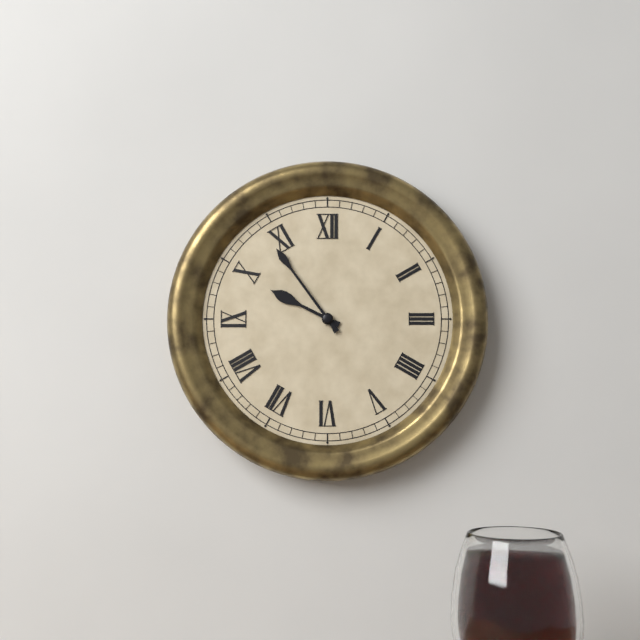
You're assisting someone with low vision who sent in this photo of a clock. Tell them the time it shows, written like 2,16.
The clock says 9,54
